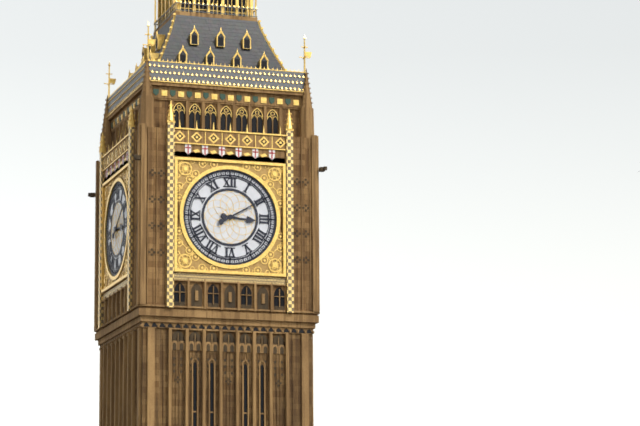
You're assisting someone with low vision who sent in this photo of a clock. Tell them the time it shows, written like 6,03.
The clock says 3,10
